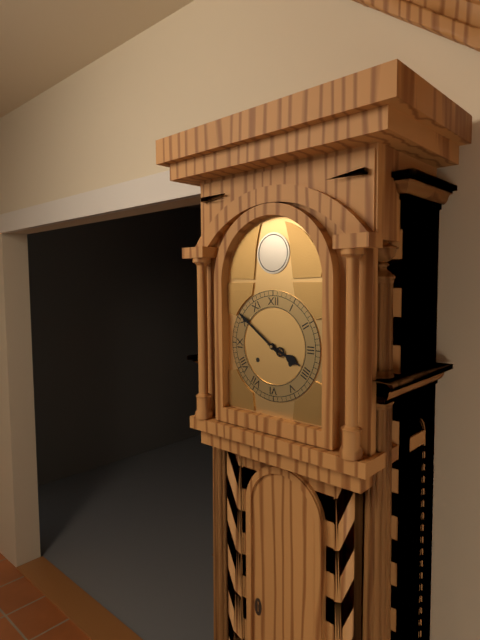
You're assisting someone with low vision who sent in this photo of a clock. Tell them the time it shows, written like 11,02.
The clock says 3,51
